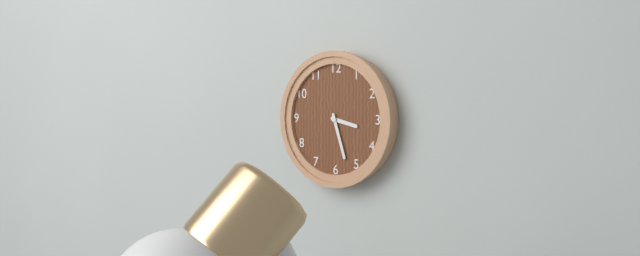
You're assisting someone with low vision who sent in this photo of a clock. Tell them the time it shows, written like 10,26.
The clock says 3,27
